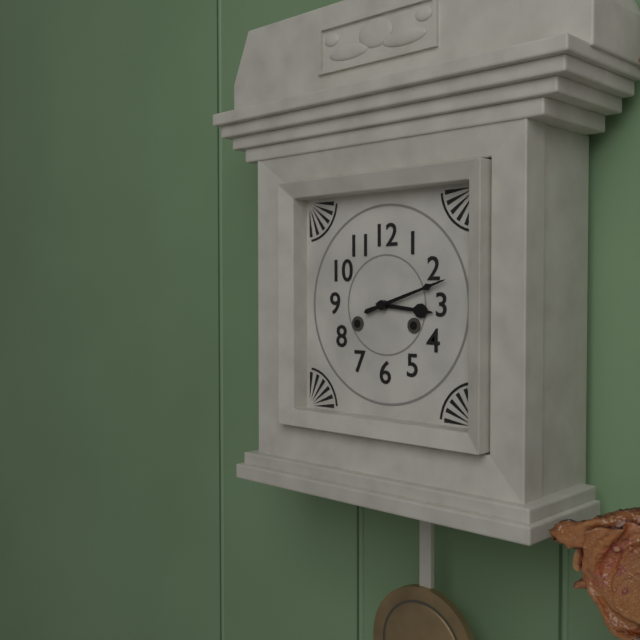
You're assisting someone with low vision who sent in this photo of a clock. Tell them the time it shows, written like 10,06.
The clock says 3,12
